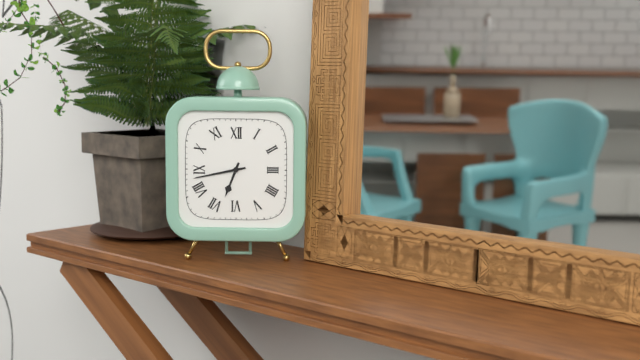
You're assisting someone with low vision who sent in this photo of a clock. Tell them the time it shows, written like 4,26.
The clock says 6,43
